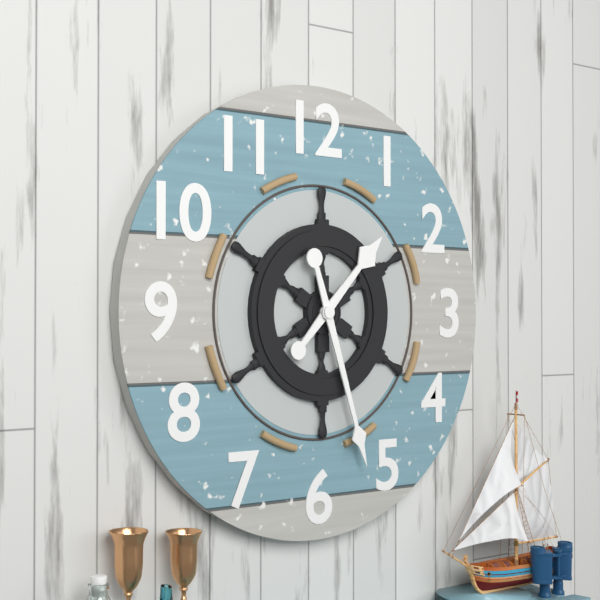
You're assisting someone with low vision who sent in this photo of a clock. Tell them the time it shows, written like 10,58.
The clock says 1,27
